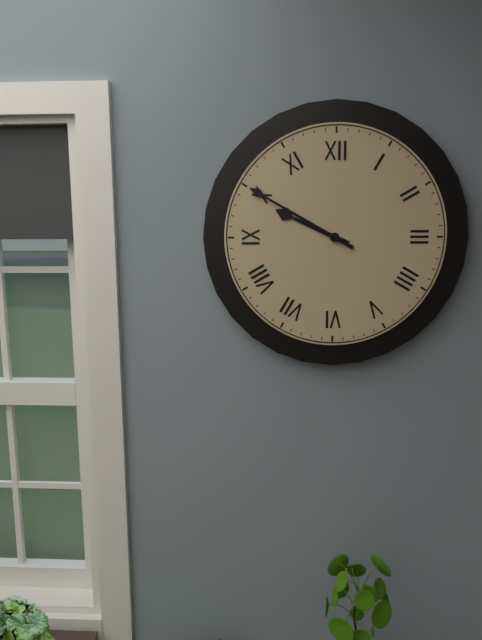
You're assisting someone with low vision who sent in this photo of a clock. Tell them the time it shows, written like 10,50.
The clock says 9,50
